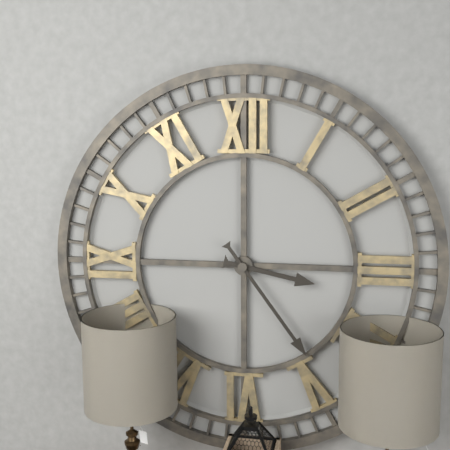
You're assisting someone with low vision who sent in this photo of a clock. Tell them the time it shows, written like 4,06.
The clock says 3,24
